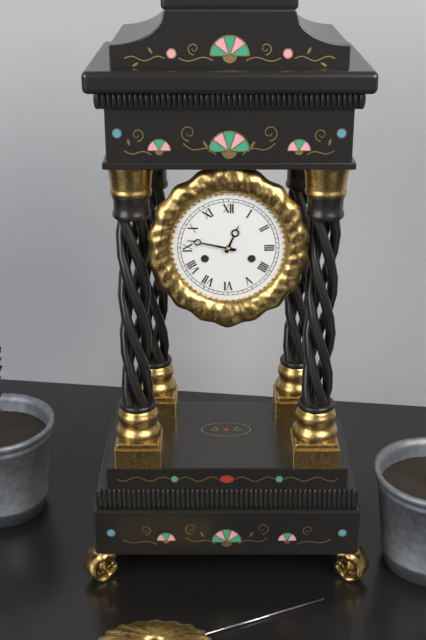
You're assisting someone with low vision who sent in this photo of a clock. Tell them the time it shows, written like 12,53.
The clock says 12,47
